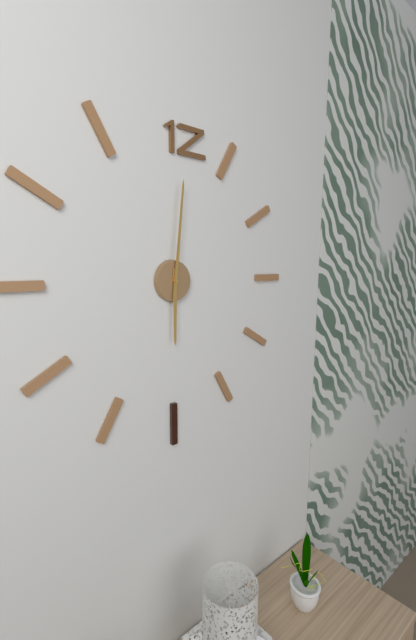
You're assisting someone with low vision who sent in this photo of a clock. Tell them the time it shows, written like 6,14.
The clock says 6,01
